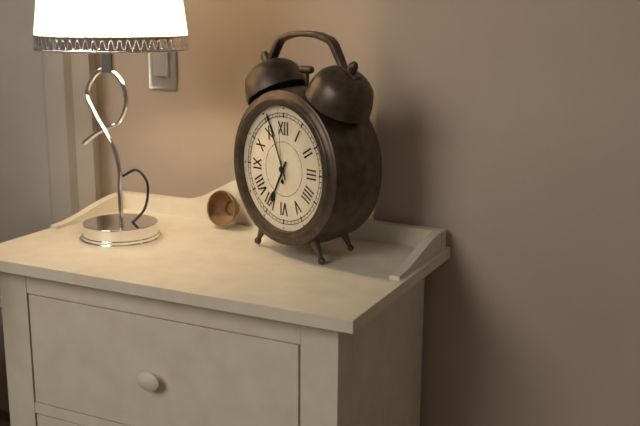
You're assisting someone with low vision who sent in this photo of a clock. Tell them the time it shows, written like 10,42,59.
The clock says 6,56,59
